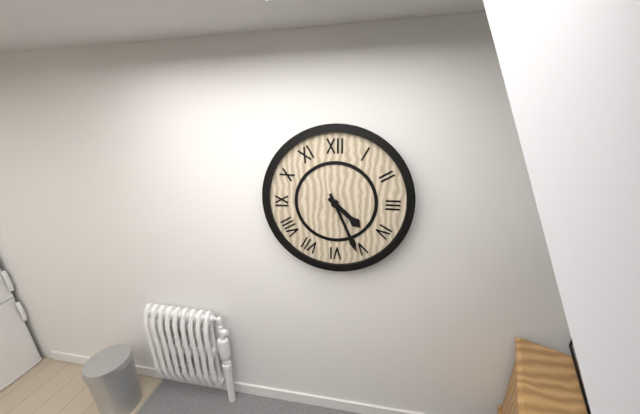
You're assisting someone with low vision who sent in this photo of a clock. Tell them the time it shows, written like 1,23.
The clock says 4,26
